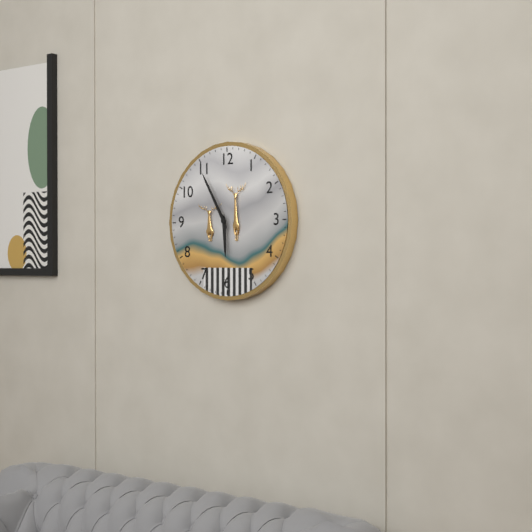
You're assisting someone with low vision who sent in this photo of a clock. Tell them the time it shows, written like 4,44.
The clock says 5,55
